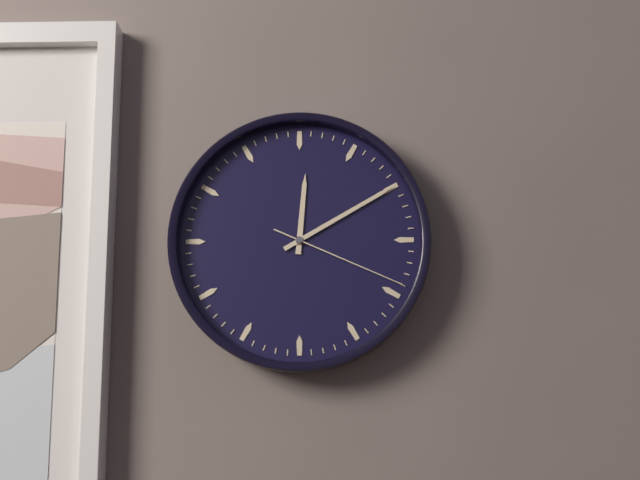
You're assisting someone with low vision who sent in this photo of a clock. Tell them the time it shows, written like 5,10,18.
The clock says 12,10,19
